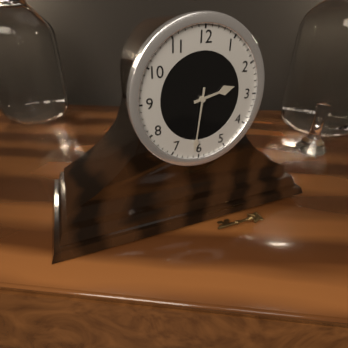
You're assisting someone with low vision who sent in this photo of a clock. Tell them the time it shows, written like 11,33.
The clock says 2,31
